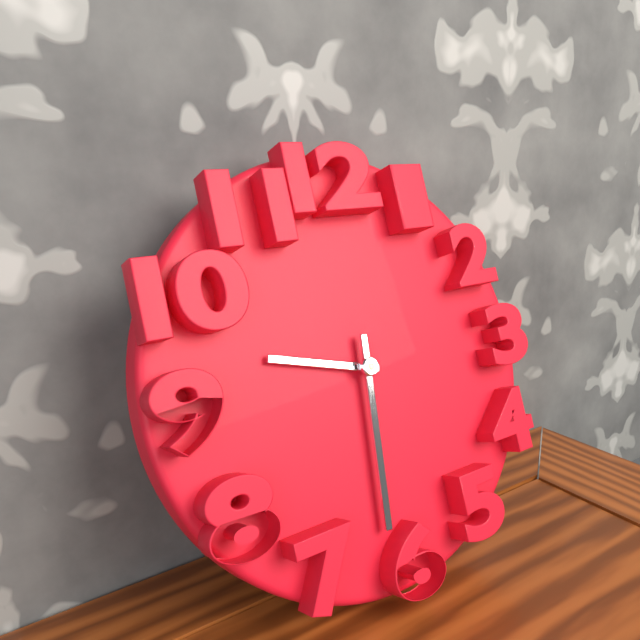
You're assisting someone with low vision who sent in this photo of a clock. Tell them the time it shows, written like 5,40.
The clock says 9,31
